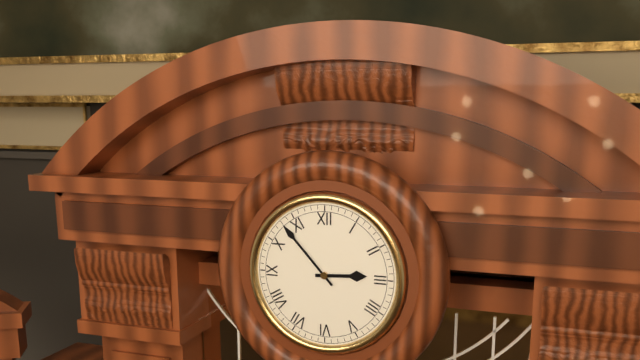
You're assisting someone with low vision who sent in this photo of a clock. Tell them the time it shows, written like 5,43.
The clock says 2,53
